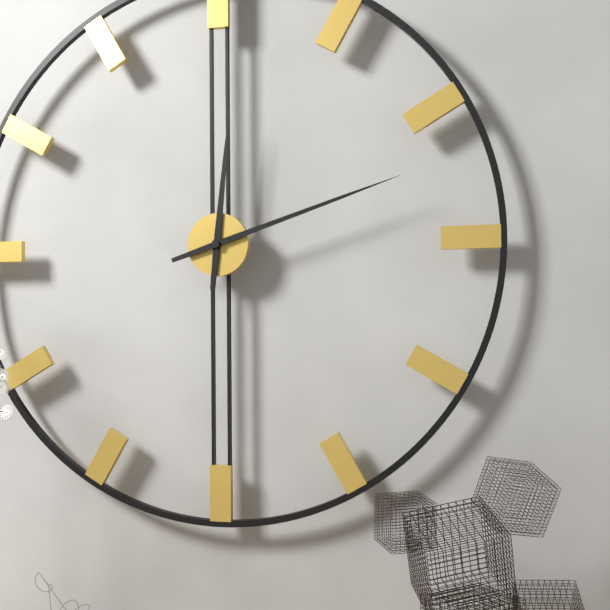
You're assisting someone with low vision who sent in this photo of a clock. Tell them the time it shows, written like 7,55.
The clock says 12,12
